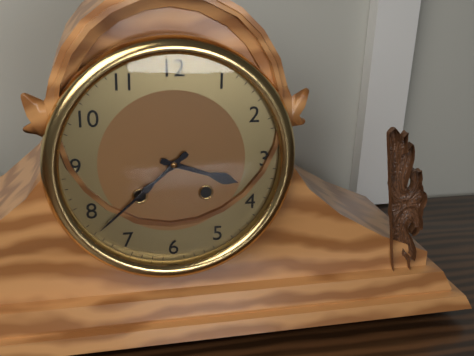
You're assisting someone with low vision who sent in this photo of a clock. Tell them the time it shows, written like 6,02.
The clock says 3,38
